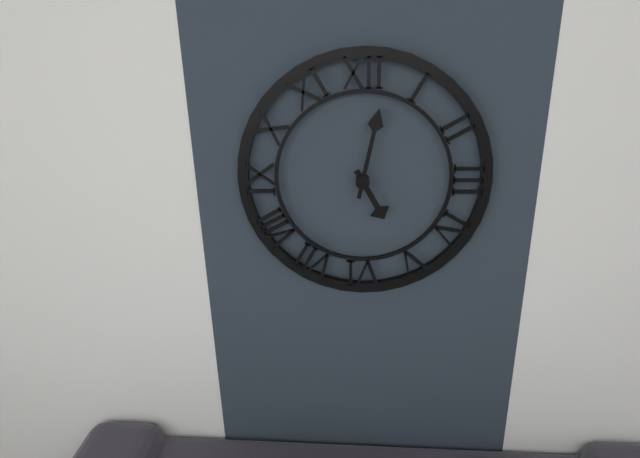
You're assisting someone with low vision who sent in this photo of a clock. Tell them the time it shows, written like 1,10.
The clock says 5,02
